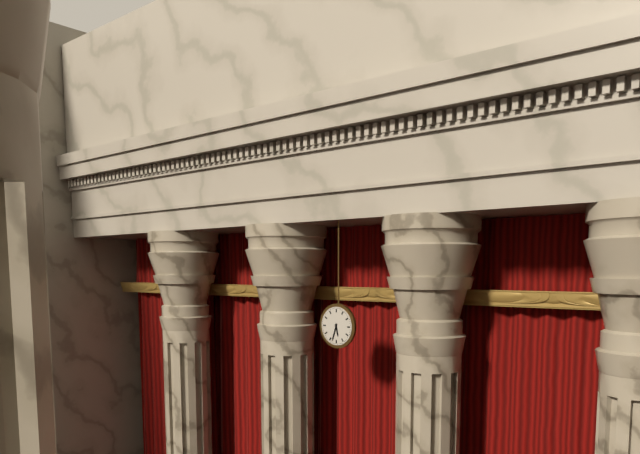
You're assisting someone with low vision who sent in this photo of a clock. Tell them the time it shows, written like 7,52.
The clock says 5,33
